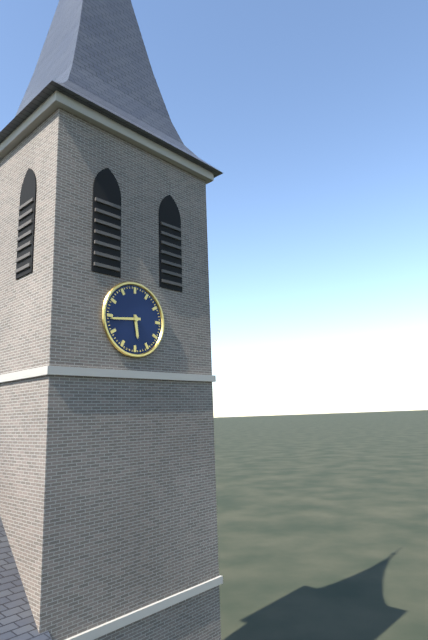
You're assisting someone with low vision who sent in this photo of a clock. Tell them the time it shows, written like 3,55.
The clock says 5,44
